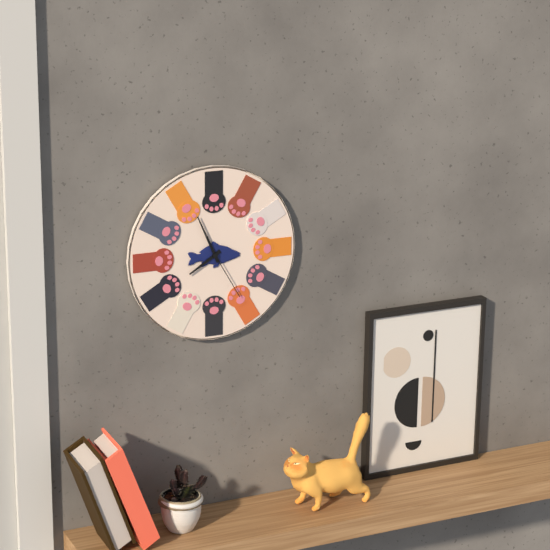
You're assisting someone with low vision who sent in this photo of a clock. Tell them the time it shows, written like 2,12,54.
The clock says 7,56,25
